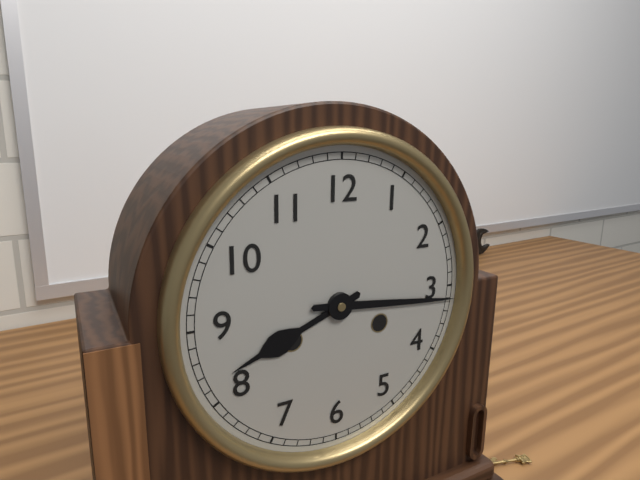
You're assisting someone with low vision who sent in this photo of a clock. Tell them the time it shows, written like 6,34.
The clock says 8,16
